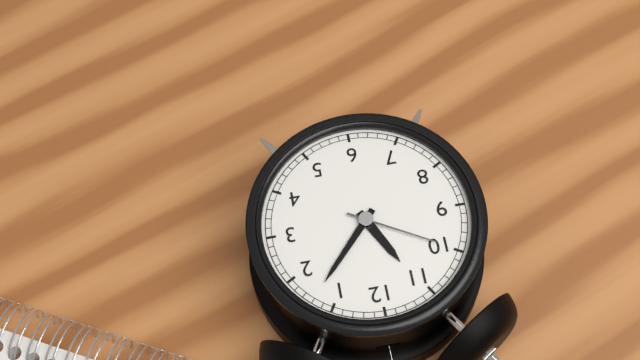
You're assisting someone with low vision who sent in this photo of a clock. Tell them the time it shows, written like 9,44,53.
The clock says 11,07,50
